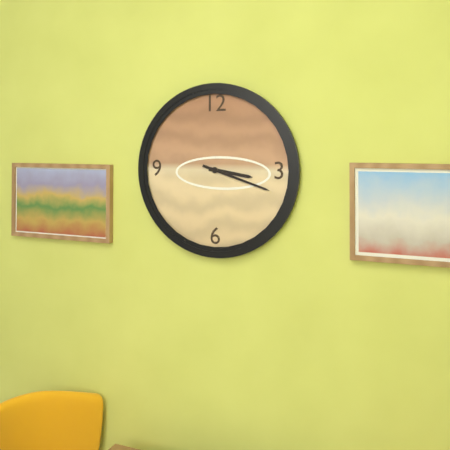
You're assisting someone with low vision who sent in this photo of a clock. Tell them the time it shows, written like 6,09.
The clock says 3,18
